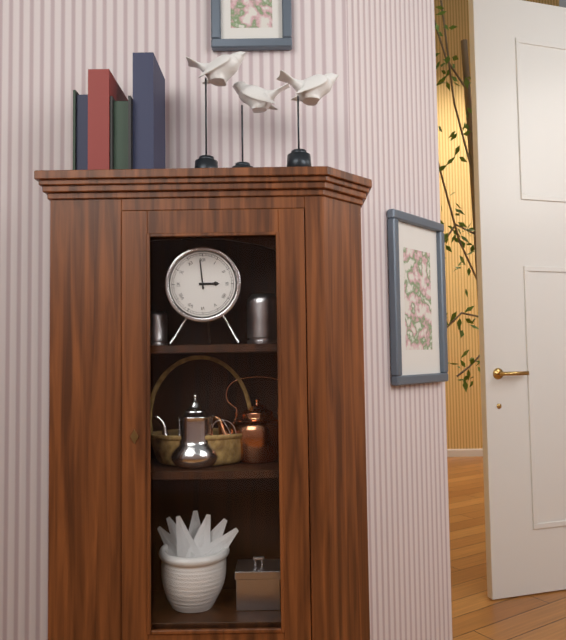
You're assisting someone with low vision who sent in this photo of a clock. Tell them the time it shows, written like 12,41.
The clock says 2,59
